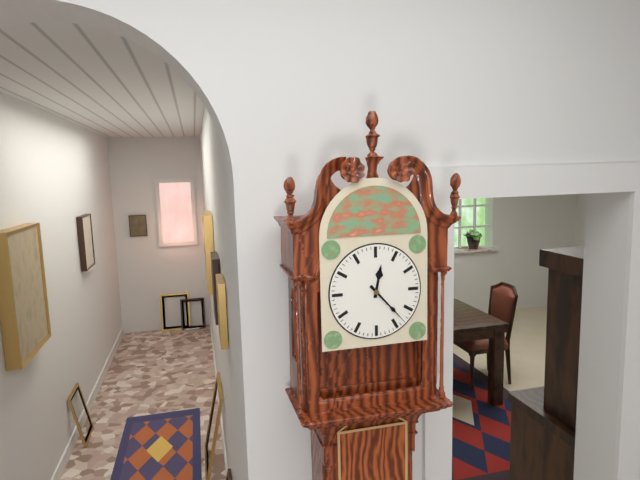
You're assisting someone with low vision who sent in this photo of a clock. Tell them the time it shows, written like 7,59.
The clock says 12,23
